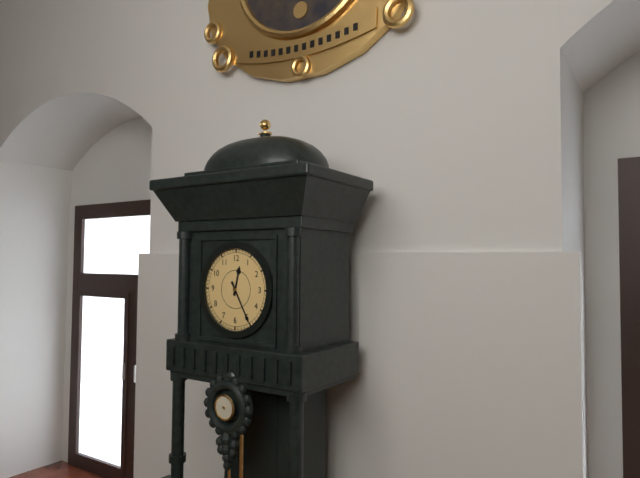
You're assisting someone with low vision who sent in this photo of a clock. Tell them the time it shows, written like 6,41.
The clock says 12,25
